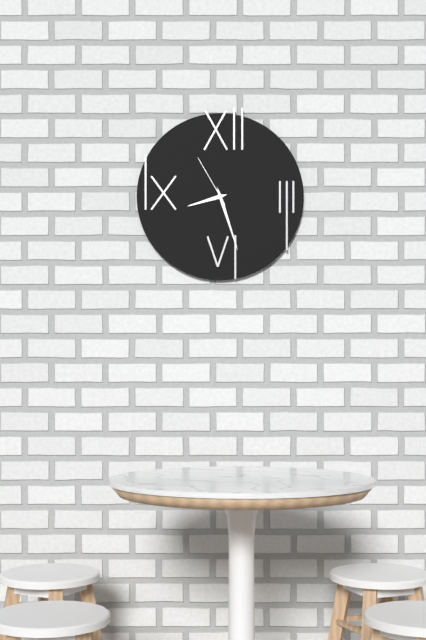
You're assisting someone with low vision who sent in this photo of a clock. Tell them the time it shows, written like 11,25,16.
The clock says 8,27,55
